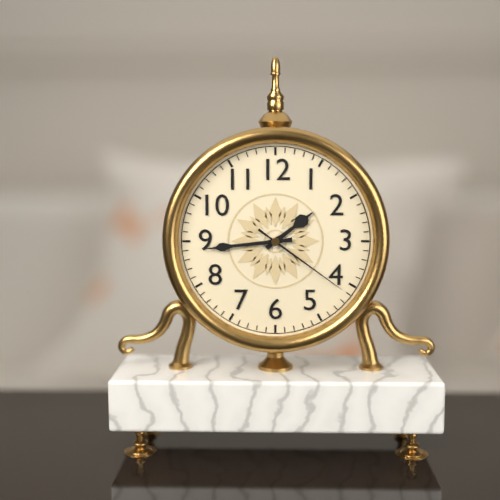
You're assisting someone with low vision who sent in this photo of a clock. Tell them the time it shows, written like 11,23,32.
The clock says 1,44,21
